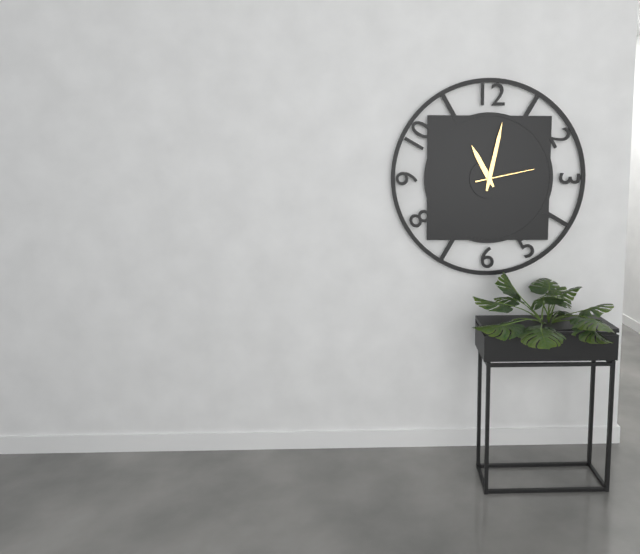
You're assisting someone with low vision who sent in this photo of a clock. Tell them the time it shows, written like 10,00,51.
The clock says 11,02,13
